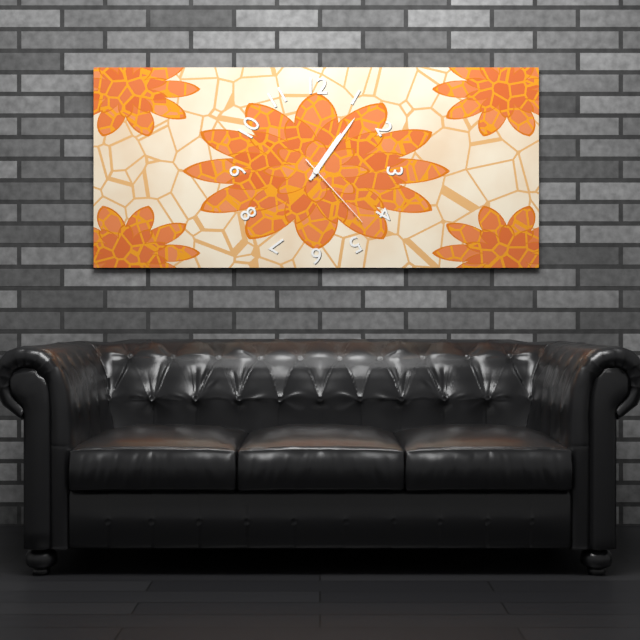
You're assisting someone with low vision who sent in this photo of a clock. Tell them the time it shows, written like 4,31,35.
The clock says 1,06,23
